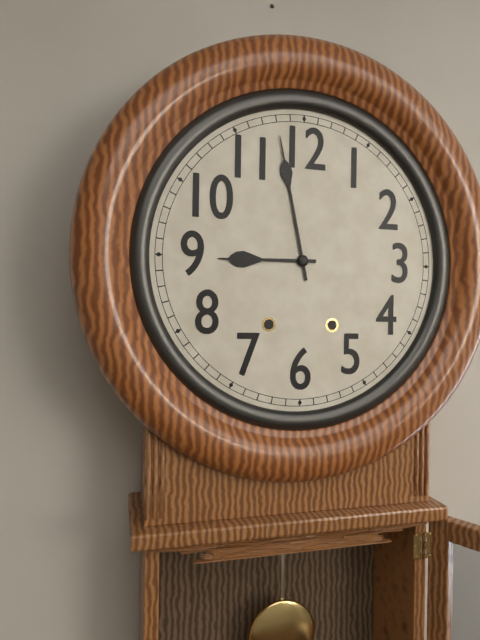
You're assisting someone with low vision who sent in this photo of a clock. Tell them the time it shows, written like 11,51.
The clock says 8,58
